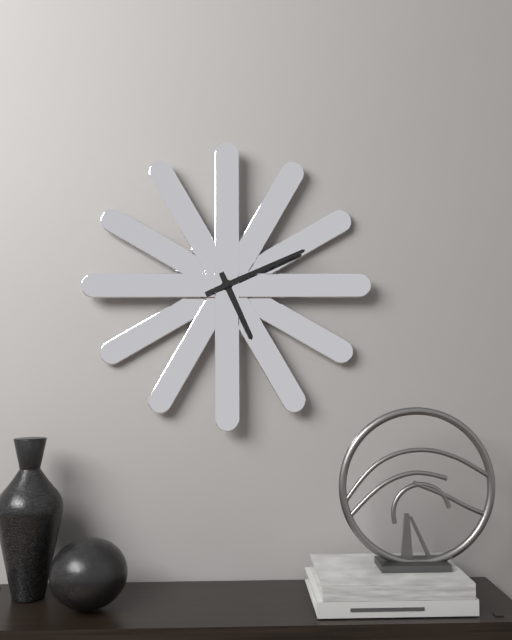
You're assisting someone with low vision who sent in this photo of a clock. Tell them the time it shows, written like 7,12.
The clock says 5,11
